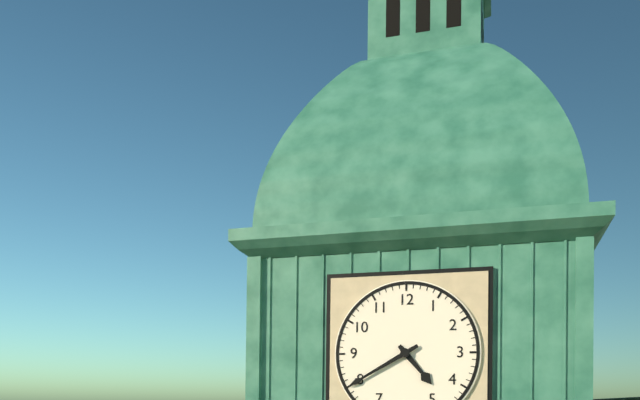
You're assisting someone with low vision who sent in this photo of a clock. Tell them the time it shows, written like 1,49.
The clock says 4,40
